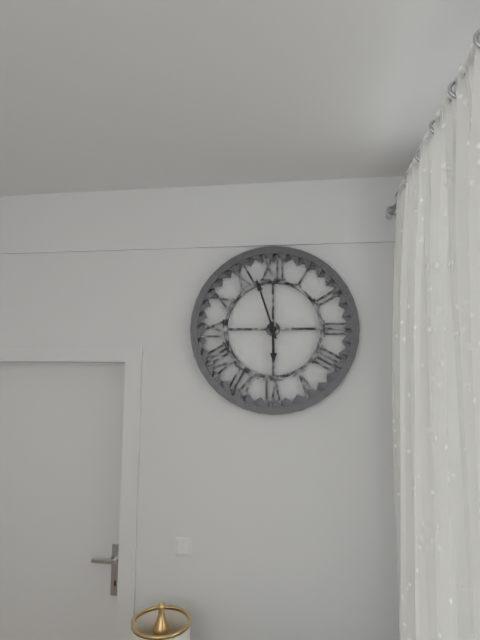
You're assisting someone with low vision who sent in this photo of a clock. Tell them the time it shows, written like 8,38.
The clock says 5,57
